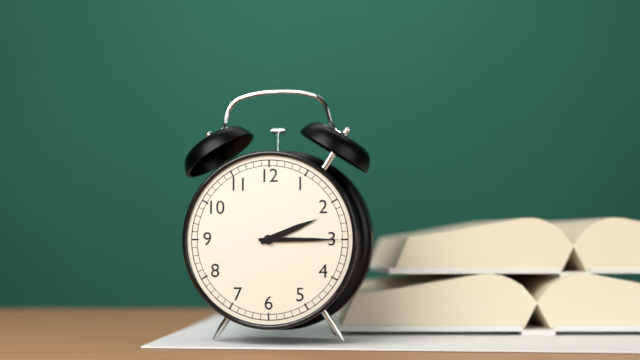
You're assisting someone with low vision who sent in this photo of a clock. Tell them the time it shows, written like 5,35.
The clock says 2,15
